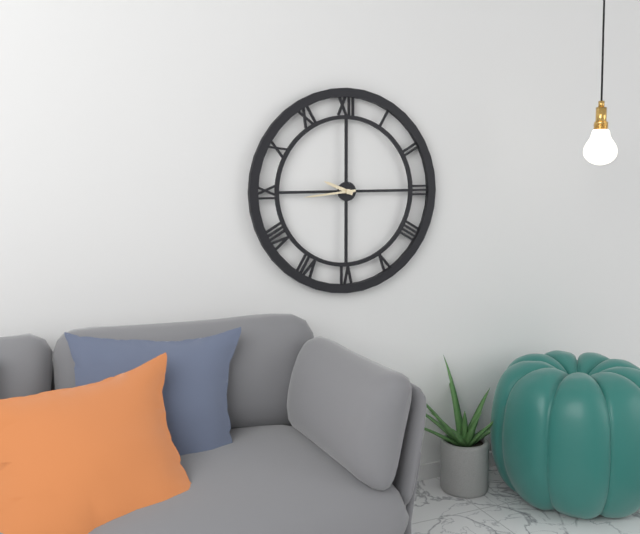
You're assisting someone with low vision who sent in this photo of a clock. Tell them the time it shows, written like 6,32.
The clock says 9,44
